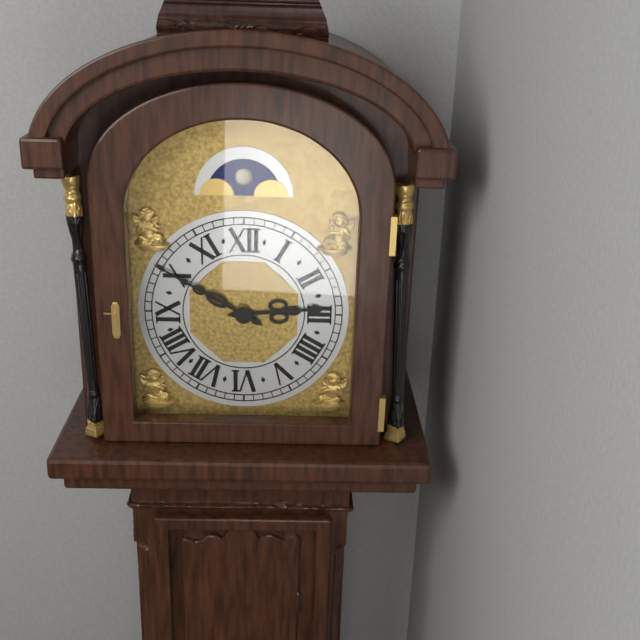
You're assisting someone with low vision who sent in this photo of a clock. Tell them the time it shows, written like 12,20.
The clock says 2,50
